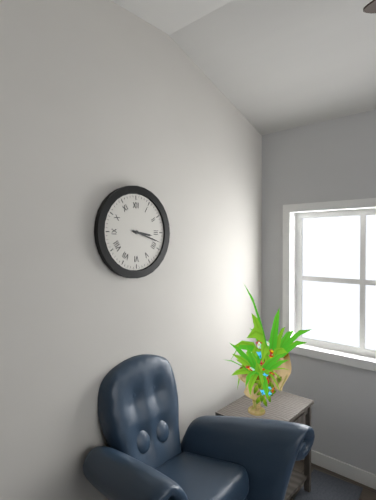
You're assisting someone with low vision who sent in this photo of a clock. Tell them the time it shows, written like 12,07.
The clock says 3,18
